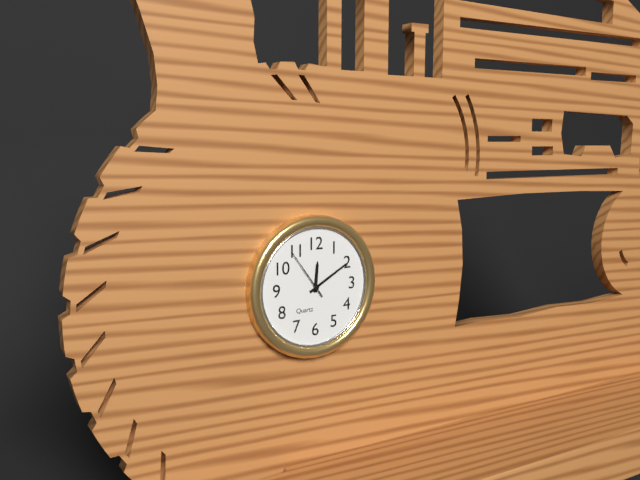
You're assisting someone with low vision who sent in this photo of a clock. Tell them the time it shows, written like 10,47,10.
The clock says 12,10,54
